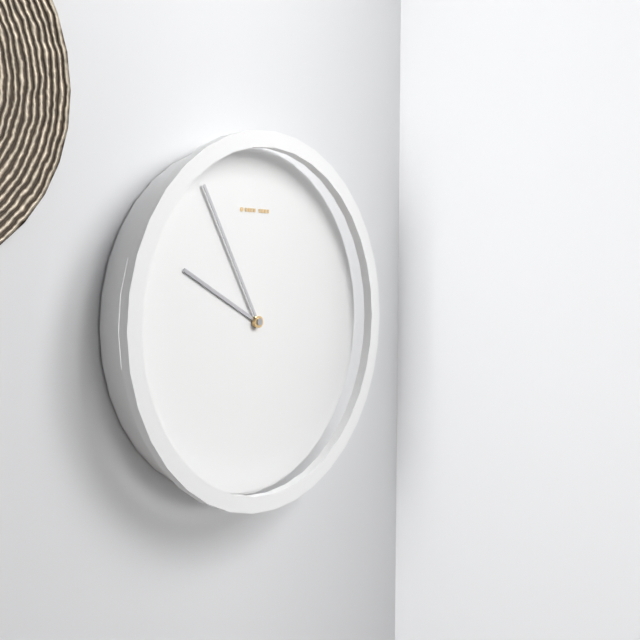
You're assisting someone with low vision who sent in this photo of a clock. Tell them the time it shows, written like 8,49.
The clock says 9,55
